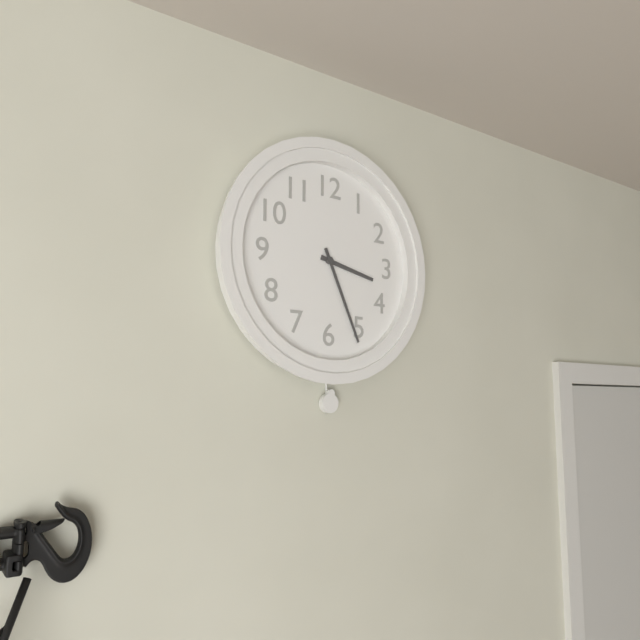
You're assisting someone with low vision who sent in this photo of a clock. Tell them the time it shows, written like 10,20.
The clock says 3,26
